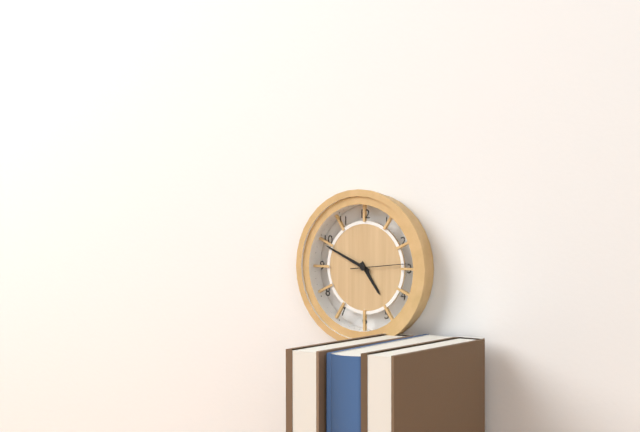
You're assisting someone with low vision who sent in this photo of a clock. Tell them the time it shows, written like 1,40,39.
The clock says 4,49,14
